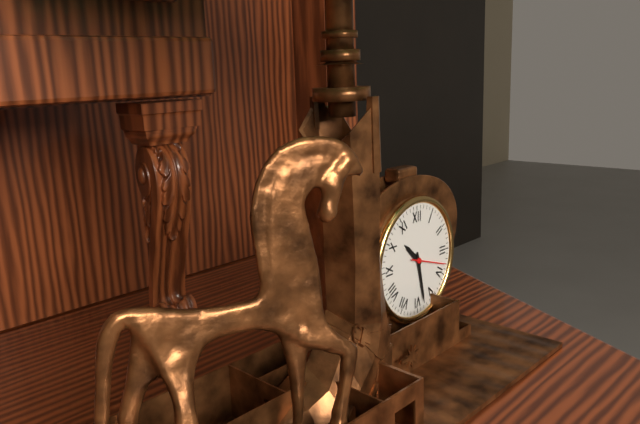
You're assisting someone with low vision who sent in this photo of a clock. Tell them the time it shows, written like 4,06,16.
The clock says 10,28,18
